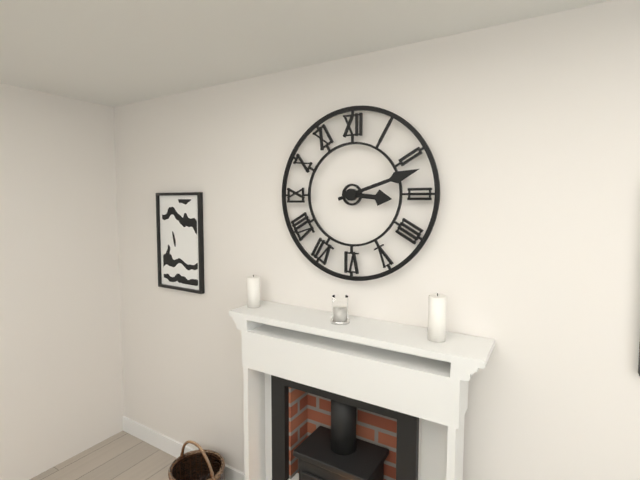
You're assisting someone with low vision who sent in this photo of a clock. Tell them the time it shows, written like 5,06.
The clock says 3,12
